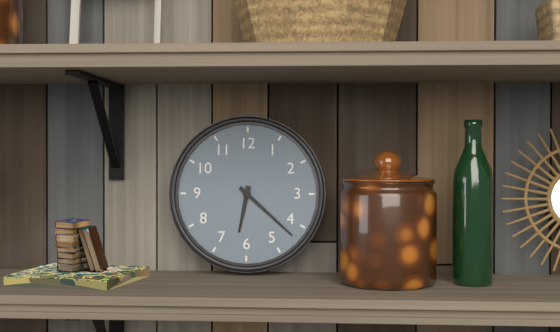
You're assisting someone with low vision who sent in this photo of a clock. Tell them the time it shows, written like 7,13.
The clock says 6,22
